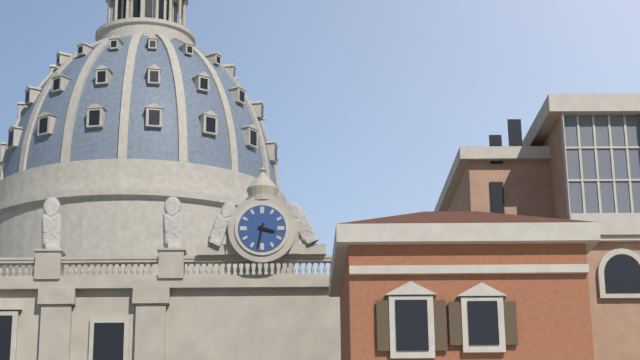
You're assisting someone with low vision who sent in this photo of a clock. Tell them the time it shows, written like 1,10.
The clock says 3,32
